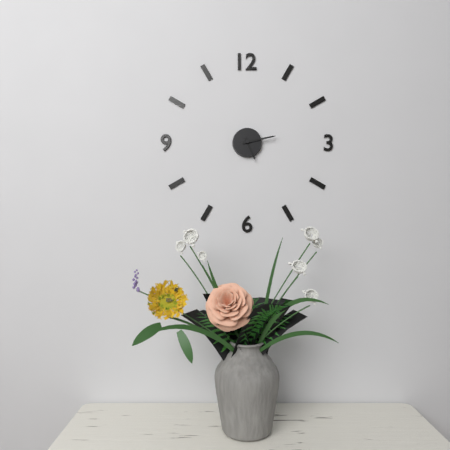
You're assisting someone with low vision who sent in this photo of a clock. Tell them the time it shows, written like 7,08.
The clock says 5,13
